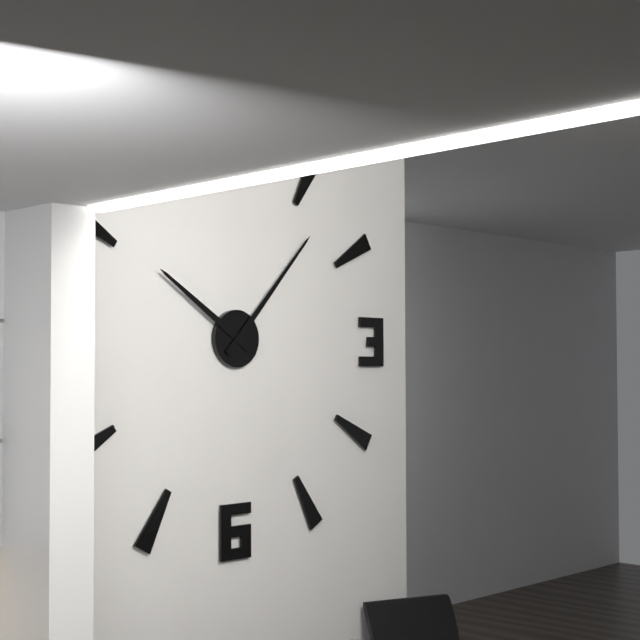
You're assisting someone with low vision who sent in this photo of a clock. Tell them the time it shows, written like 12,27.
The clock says 10,07
